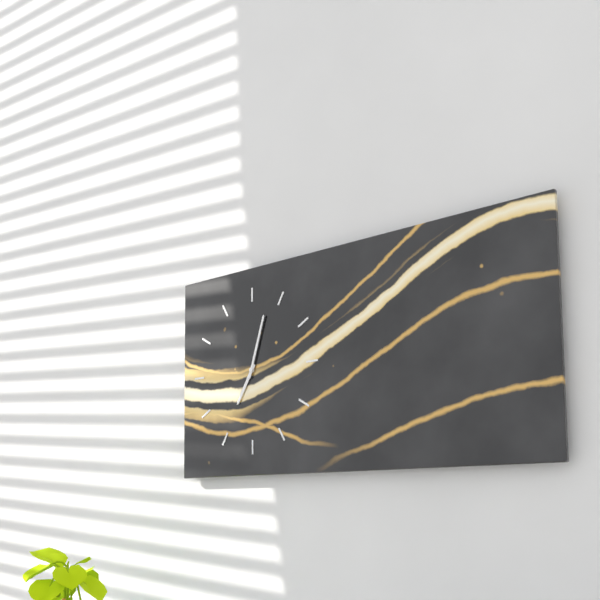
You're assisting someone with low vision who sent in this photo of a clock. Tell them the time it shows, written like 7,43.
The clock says 7,03
